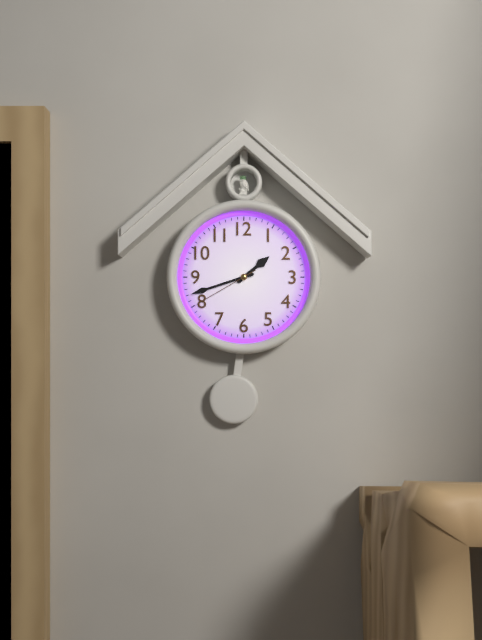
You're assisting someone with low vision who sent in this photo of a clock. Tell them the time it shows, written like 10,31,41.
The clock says 1,42,40
